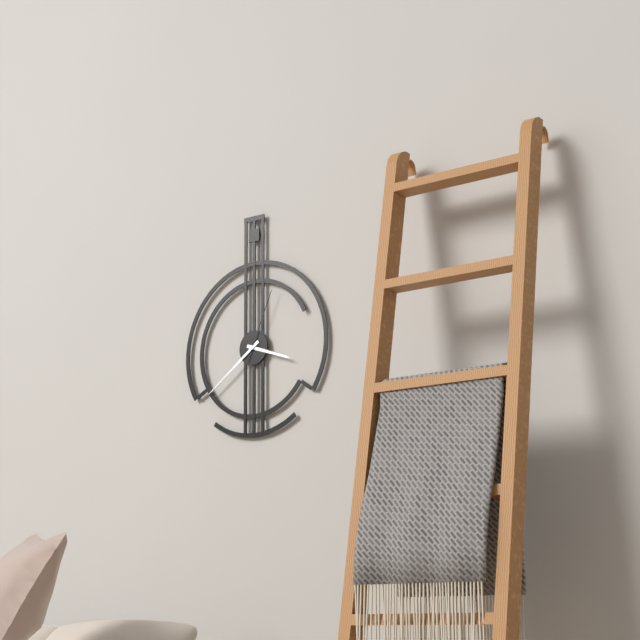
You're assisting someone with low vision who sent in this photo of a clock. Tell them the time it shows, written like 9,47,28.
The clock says 3,39,04
